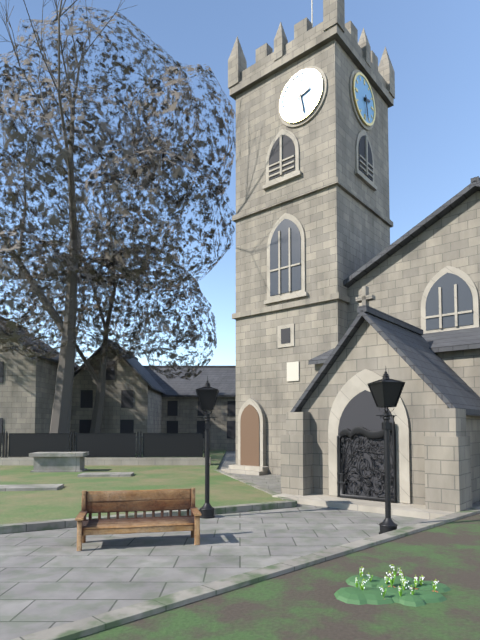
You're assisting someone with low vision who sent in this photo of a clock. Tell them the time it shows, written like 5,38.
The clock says 2,28
